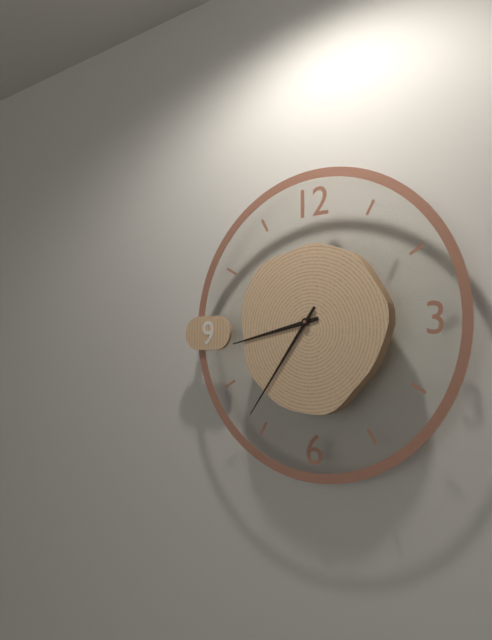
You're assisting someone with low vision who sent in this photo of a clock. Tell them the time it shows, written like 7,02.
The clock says 8,36
